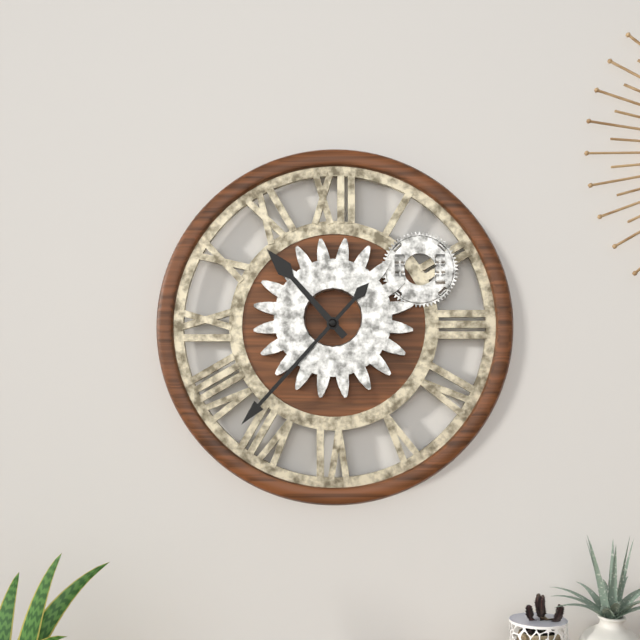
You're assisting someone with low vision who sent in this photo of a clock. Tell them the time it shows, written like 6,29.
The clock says 10,37
